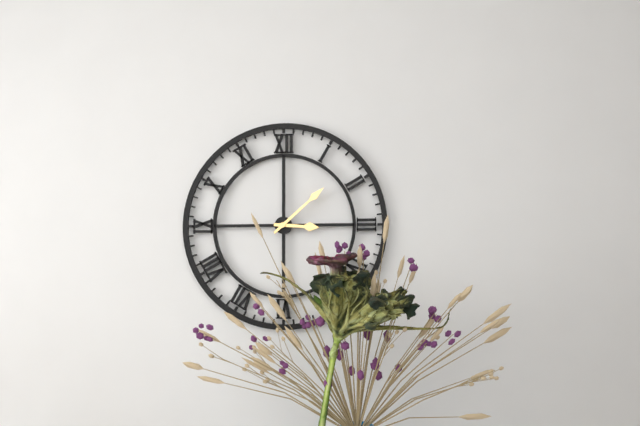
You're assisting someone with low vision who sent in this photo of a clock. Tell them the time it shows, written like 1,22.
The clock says 3,08
